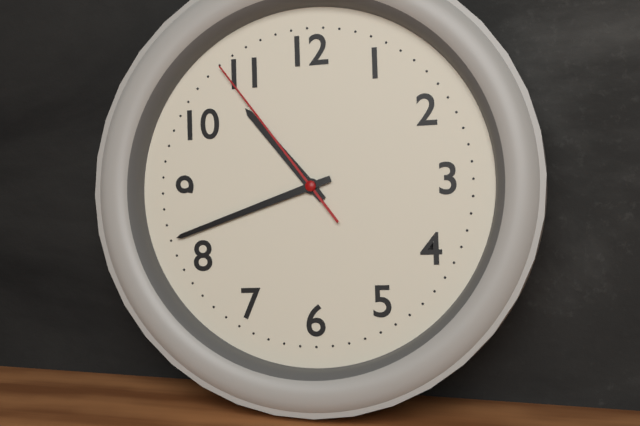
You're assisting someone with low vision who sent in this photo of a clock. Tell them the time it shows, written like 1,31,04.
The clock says 10,42,54
